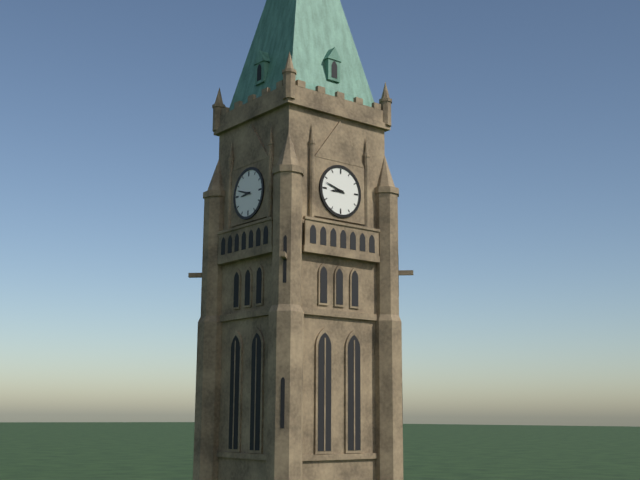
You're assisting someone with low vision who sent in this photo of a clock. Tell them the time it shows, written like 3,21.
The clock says 8,48
